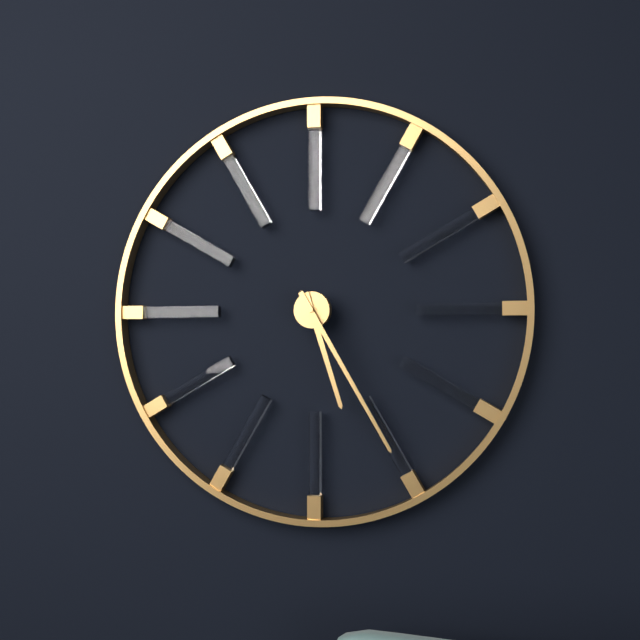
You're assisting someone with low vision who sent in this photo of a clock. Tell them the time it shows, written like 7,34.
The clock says 5,25
